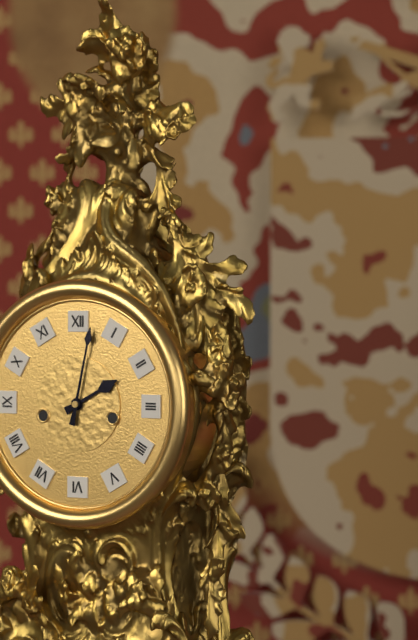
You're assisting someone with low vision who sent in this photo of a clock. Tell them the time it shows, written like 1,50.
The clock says 2,02
